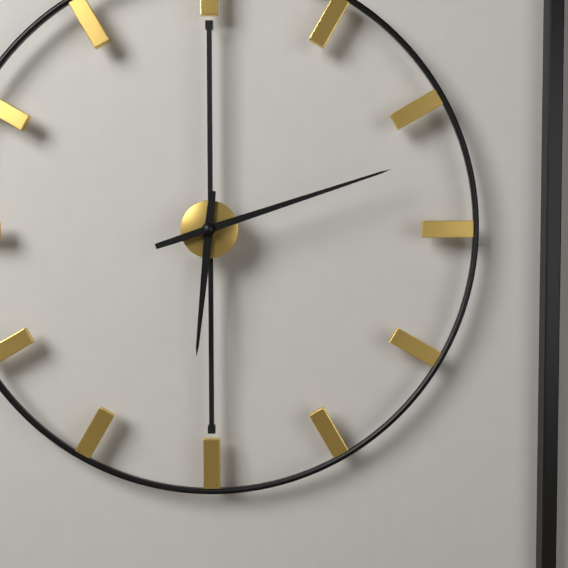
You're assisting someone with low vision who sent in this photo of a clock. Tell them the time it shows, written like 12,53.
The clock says 6,12
